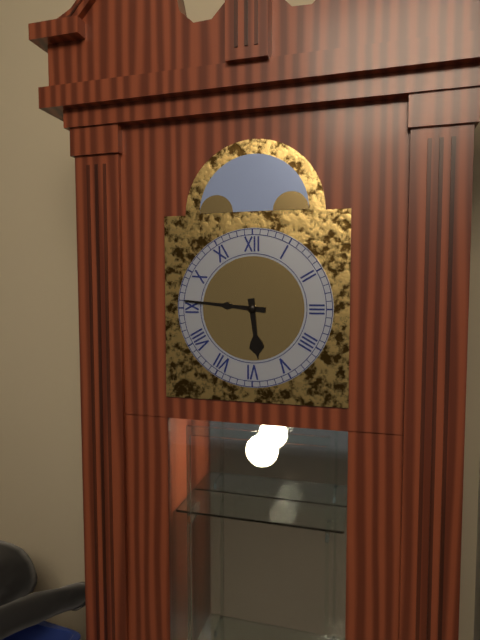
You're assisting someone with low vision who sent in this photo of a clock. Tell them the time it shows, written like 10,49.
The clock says 5,46
